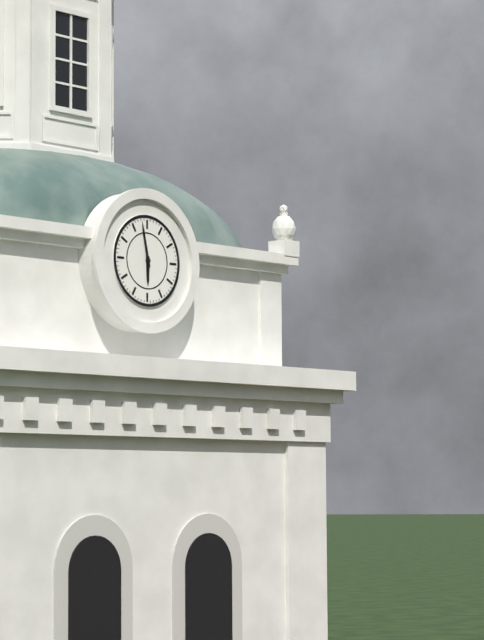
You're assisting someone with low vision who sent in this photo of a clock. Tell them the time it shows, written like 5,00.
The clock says 5,58
